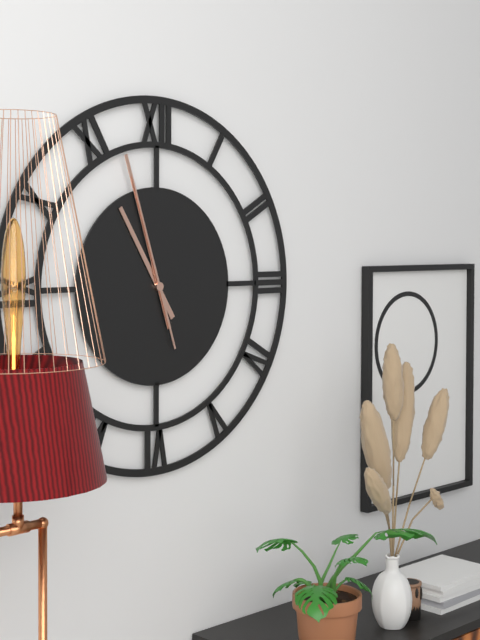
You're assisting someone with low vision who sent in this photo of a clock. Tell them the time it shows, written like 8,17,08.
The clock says 10,57,57
